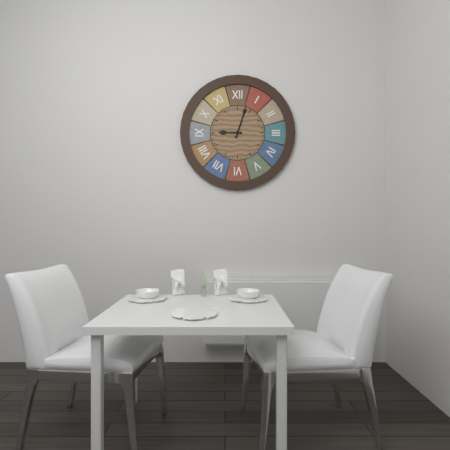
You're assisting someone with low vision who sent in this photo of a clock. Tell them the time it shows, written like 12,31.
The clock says 9,03
